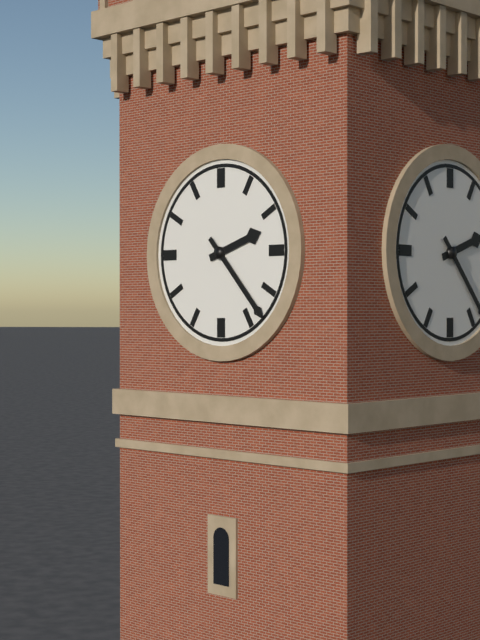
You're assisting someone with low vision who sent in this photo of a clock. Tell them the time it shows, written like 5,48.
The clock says 2,23
